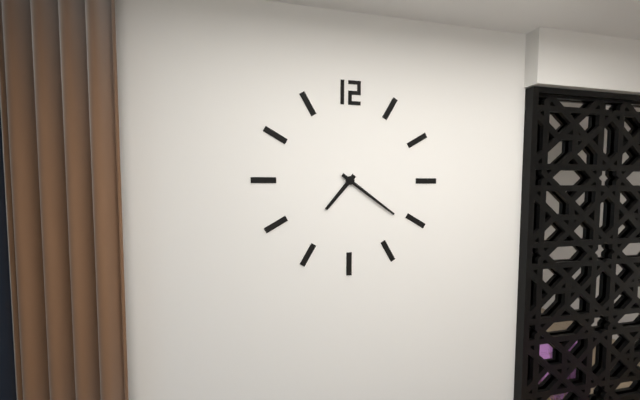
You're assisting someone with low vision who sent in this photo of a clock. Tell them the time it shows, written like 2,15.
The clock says 7,21
